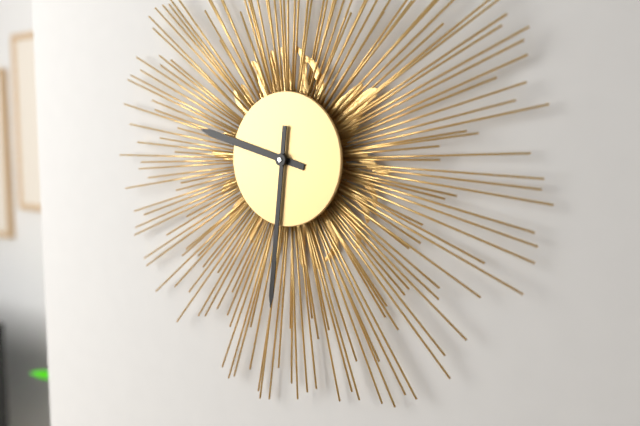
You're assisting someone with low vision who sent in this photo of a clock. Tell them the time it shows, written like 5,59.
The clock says 9,31
